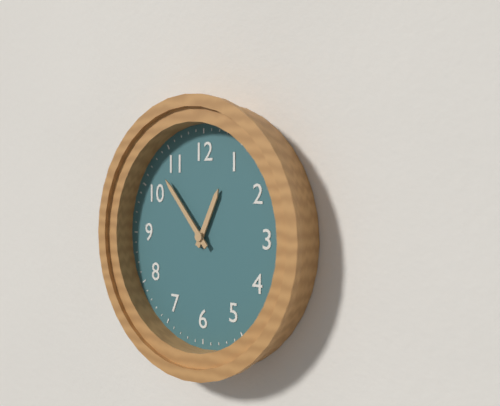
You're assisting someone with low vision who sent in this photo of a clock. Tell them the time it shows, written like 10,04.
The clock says 12,53
